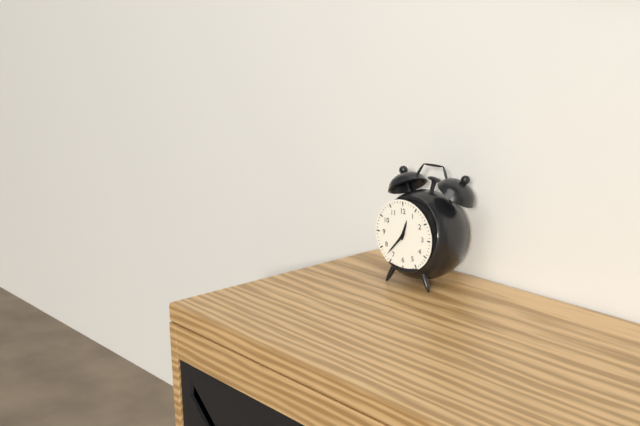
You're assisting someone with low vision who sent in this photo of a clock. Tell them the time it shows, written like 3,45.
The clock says 12,37
